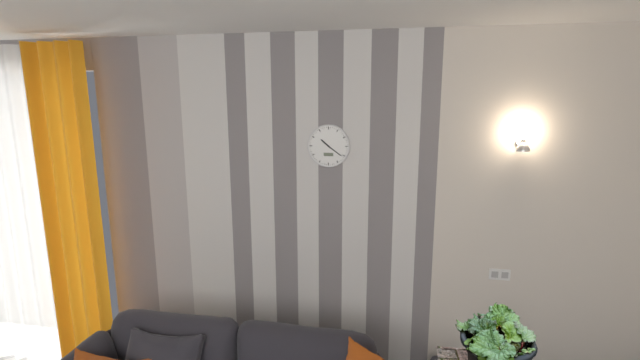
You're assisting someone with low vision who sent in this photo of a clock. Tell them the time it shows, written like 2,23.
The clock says 10,21
